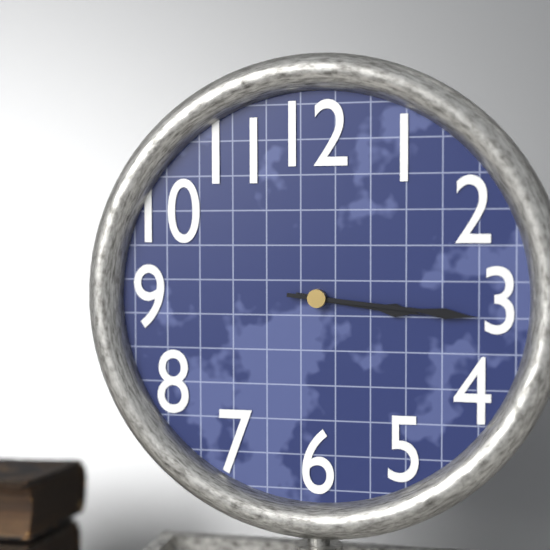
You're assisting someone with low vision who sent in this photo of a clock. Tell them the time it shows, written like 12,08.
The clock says 3,16
